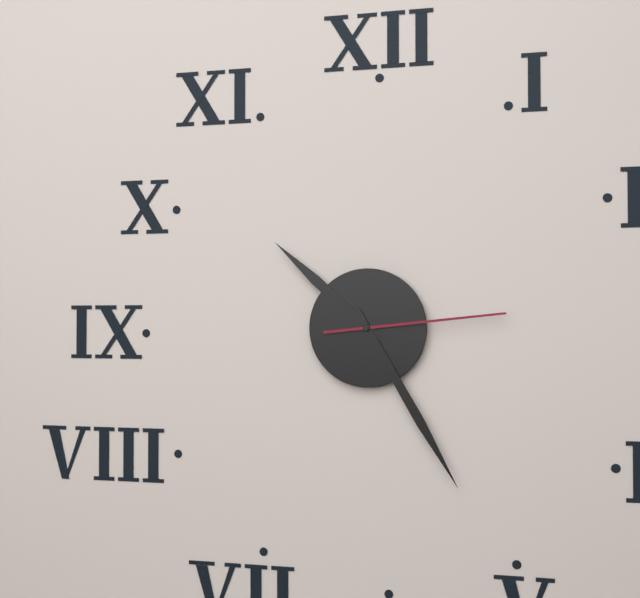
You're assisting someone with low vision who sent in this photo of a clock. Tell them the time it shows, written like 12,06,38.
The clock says 10,25,14
